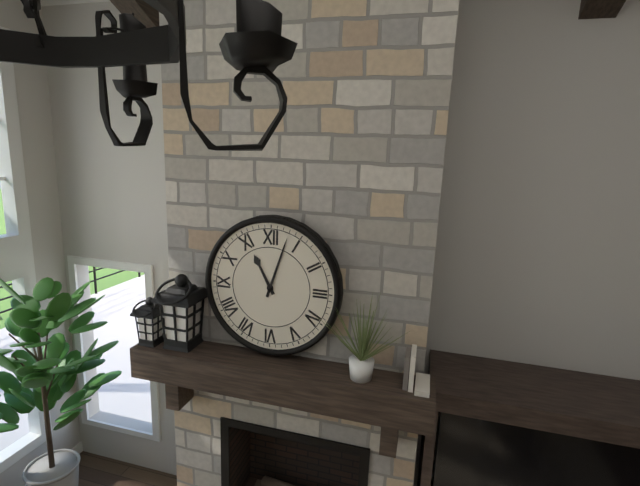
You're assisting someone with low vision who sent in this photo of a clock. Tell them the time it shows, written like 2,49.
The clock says 11,03
